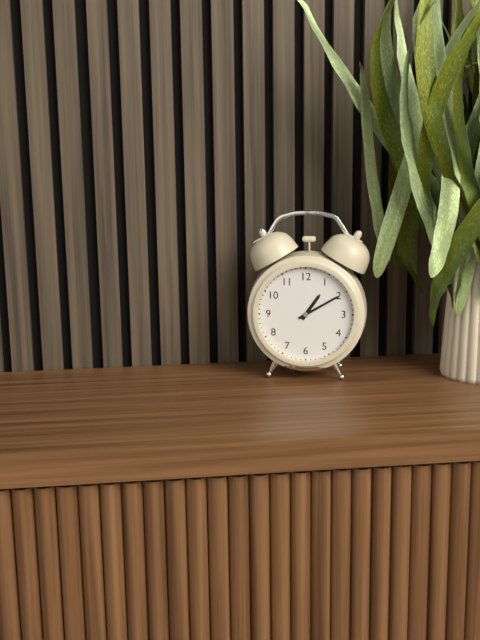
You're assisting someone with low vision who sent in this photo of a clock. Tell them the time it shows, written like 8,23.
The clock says 1,10
